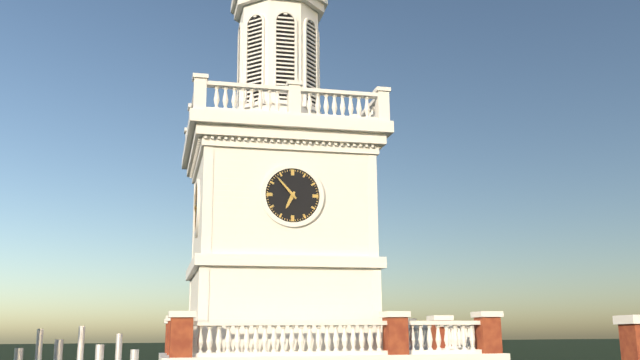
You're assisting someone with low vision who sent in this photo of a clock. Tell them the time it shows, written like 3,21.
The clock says 6,53
